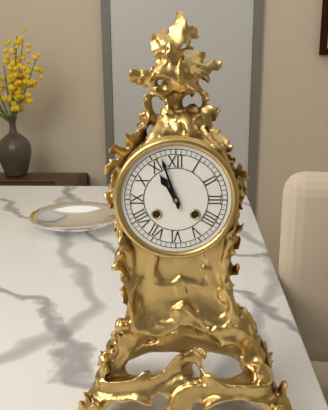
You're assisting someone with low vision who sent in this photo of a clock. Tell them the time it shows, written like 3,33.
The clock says 10,57
